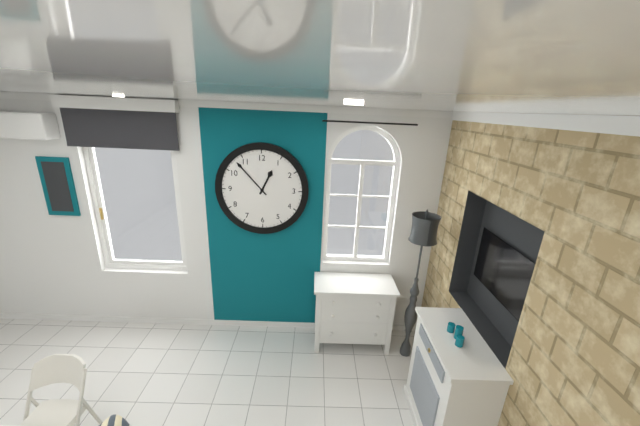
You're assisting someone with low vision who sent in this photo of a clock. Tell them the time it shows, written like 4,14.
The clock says 12,53
